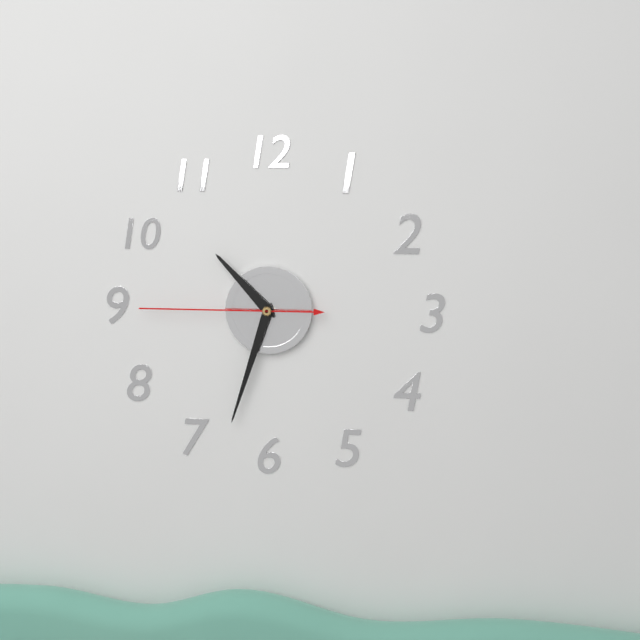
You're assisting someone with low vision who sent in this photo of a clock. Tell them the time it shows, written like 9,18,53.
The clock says 10,33,45
